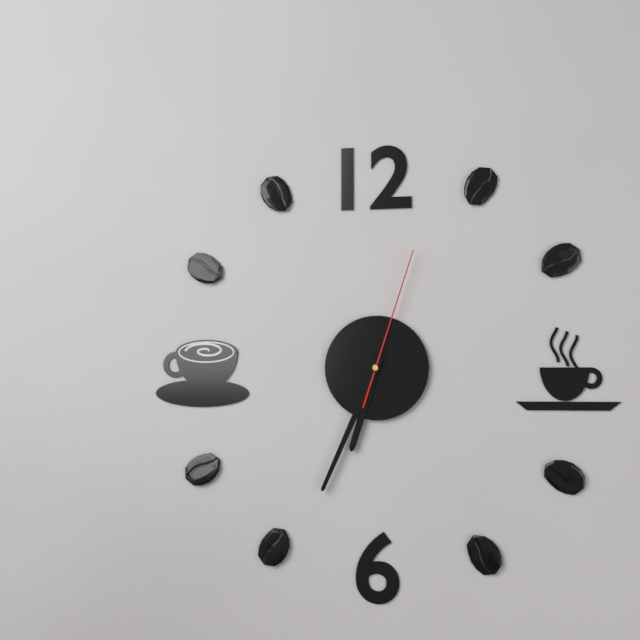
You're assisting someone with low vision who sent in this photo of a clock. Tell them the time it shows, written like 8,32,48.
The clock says 6,34,03
